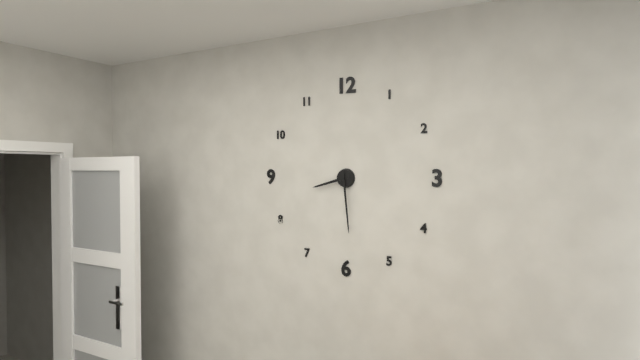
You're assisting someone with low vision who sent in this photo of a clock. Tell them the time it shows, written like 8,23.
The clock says 8,29
